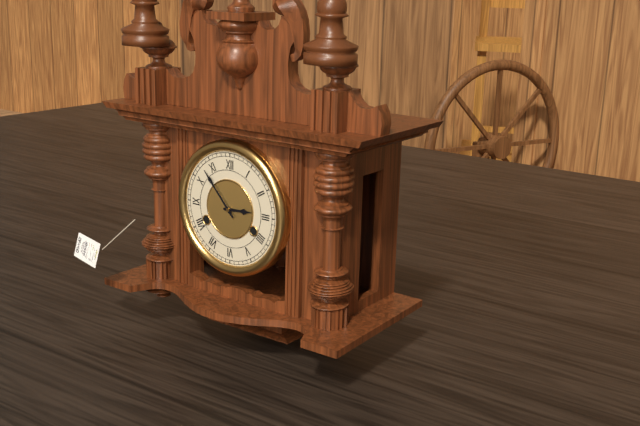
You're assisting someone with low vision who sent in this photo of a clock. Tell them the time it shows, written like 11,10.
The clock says 2,53
